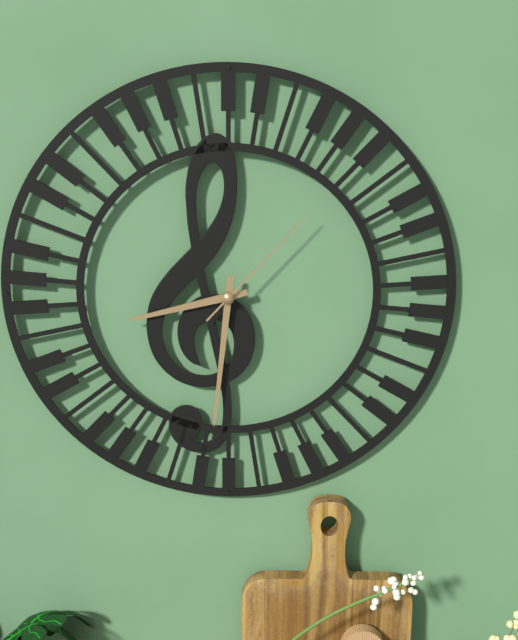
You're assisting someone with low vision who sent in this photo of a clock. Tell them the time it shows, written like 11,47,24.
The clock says 8,31,07
